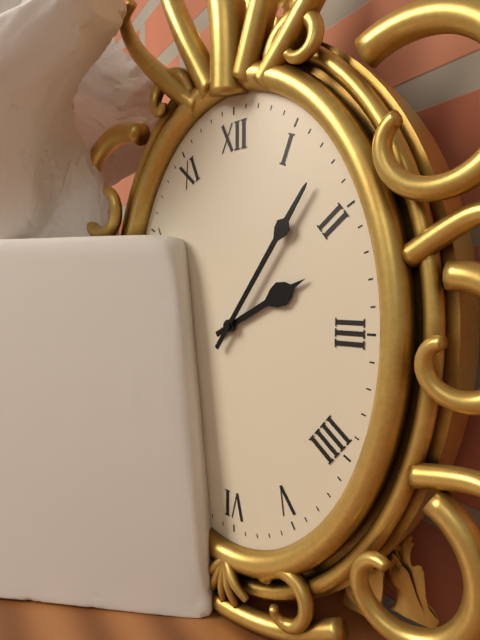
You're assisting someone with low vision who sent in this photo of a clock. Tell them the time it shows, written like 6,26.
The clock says 2,06
